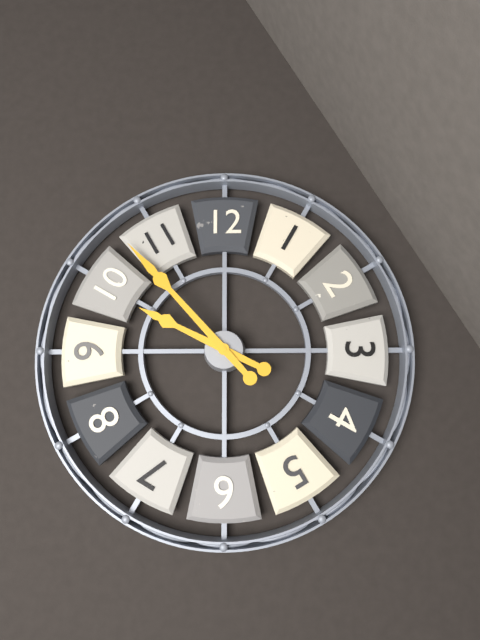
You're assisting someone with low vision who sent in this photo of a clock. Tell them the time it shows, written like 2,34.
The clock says 9,53
